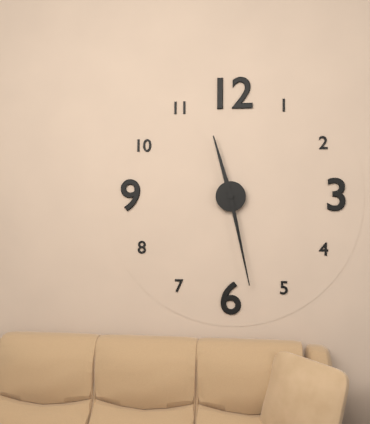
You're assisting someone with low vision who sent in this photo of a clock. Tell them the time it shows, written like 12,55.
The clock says 11,28
